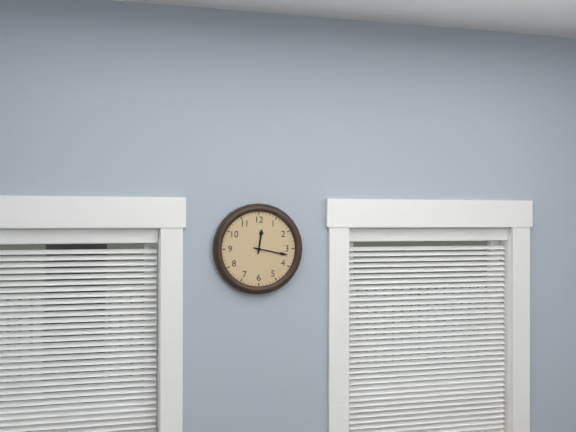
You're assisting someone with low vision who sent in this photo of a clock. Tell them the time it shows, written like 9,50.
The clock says 12,17
